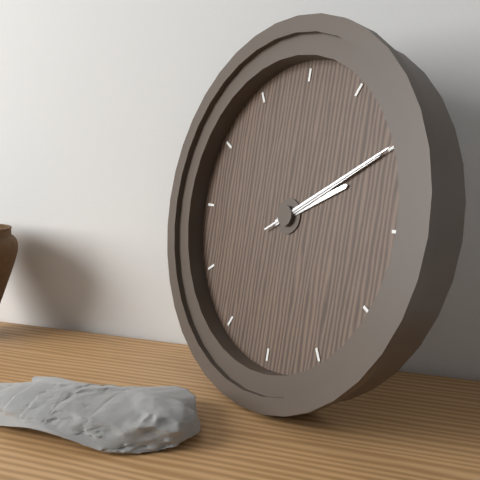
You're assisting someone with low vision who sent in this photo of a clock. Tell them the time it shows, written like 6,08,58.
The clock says 2,10,10
